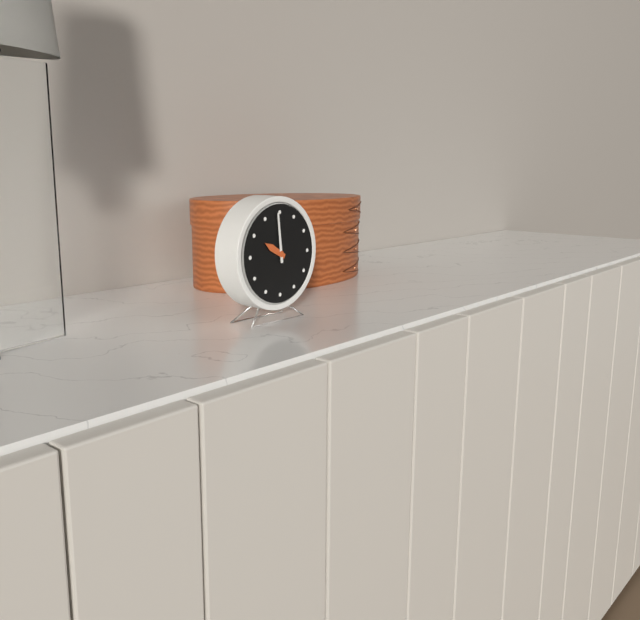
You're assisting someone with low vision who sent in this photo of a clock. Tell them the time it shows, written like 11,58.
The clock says 9,59
